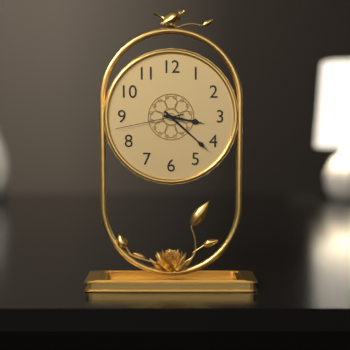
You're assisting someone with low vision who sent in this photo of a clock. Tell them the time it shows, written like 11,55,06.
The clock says 3,22,43
